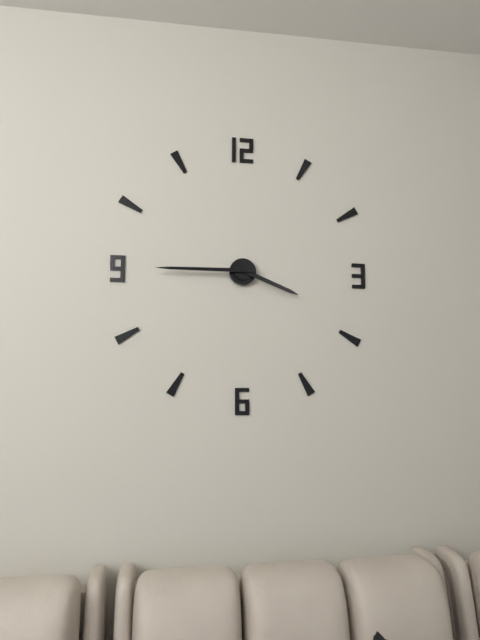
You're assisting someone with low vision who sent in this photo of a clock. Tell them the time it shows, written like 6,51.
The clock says 3,45
